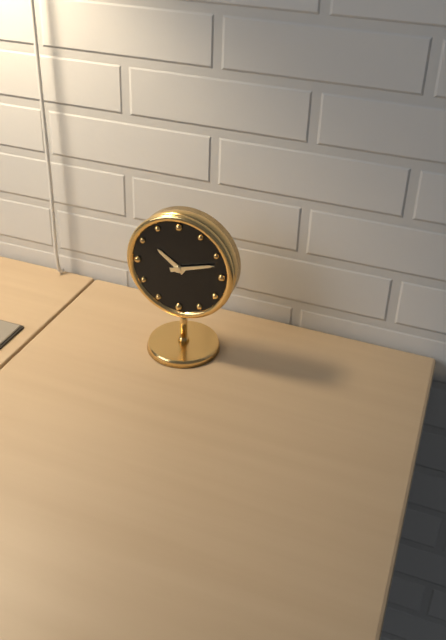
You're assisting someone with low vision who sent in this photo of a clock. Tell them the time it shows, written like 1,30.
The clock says 10,12
